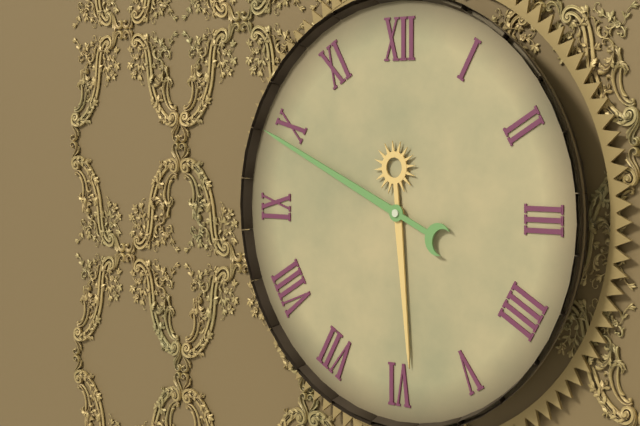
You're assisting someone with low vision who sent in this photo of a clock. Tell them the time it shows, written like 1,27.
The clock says 5,49
